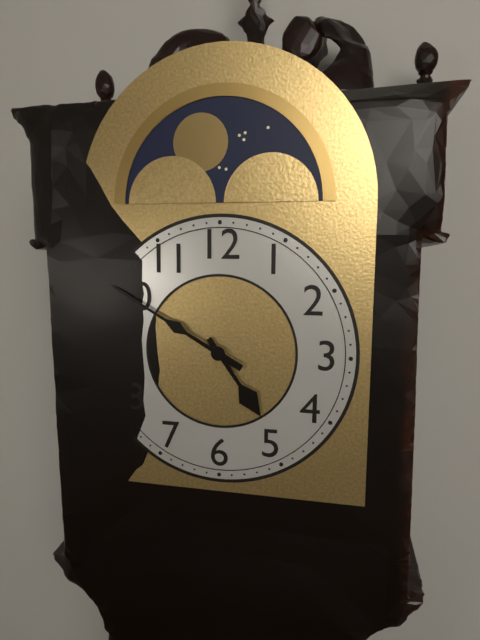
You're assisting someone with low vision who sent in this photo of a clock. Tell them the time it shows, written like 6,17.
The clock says 4,50
